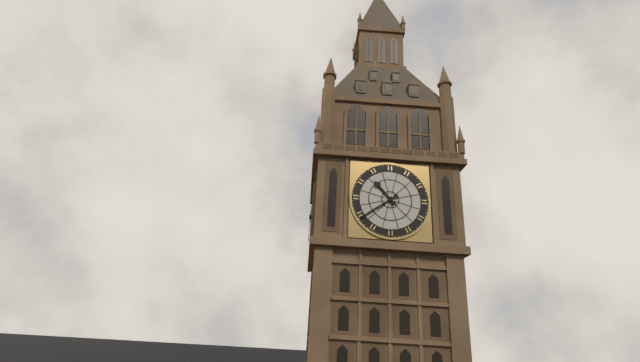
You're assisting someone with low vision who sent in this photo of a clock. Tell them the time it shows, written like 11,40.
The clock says 10,39
